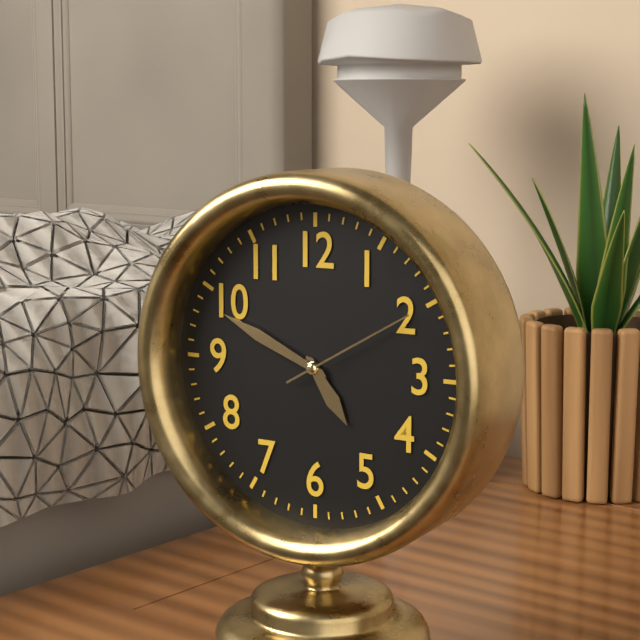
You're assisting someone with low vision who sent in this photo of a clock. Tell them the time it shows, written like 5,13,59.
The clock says 4,49,10
